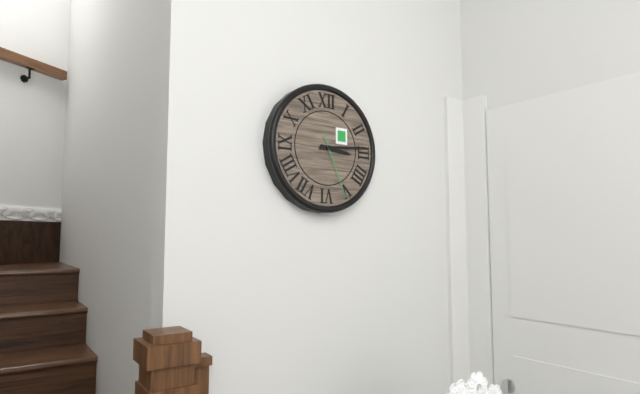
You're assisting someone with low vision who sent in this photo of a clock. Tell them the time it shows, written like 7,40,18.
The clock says 3,14,26
